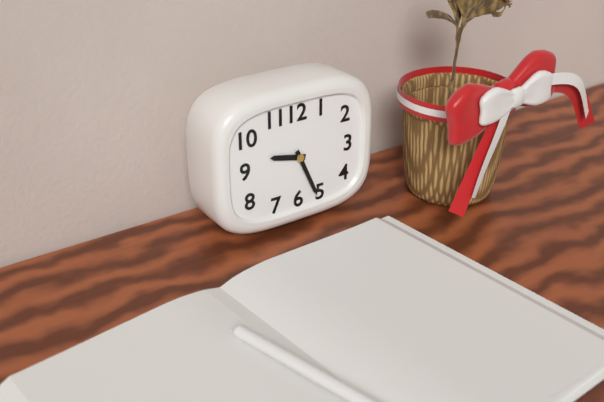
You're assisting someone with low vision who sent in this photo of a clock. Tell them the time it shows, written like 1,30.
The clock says 9,26
